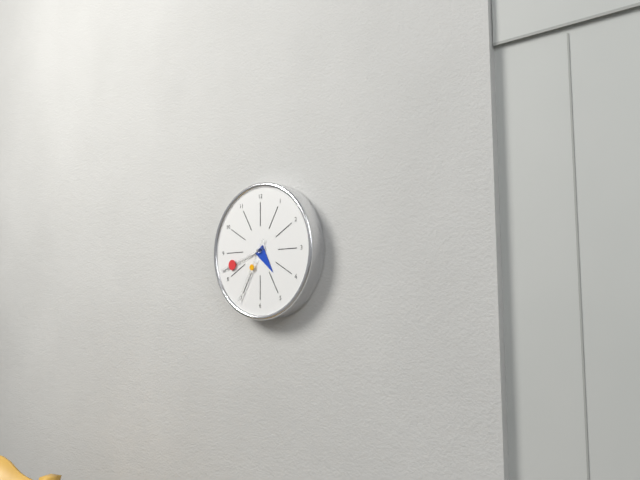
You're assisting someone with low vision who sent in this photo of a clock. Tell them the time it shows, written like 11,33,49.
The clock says 4,42,35
